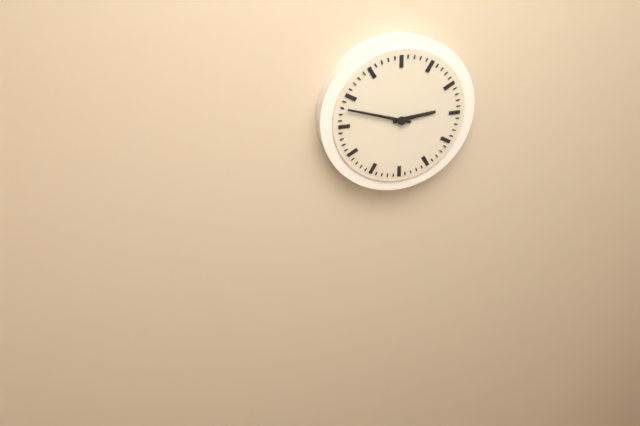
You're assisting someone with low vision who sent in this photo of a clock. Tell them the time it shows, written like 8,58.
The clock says 2,48
